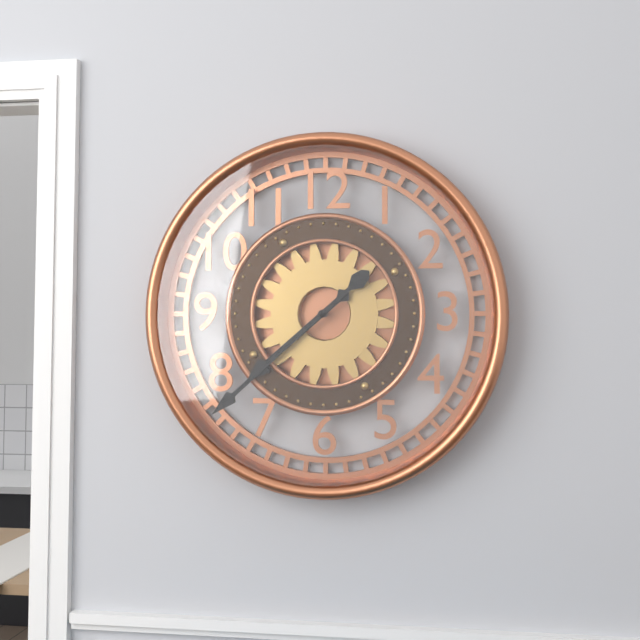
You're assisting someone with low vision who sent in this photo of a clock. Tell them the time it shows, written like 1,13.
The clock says 7,38
